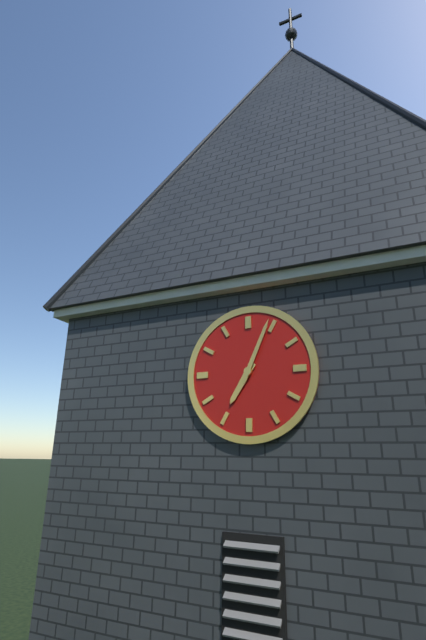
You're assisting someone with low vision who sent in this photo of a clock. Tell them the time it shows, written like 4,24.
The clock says 7,04
